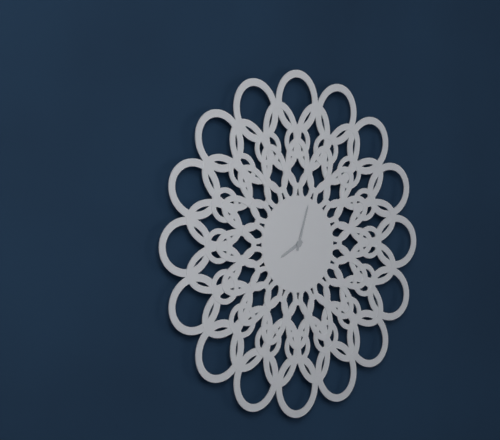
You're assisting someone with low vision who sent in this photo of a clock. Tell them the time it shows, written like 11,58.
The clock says 8,03
